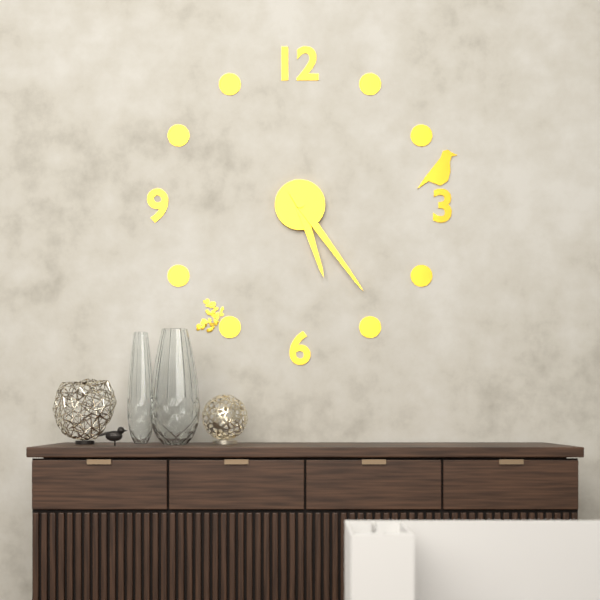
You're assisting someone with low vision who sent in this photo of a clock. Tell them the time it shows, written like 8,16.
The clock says 5,24
